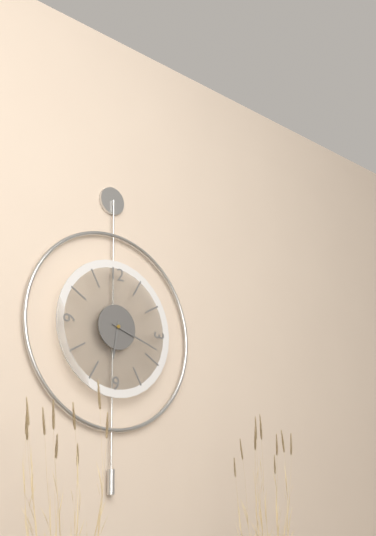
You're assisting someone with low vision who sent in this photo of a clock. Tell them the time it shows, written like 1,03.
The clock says 6,18
